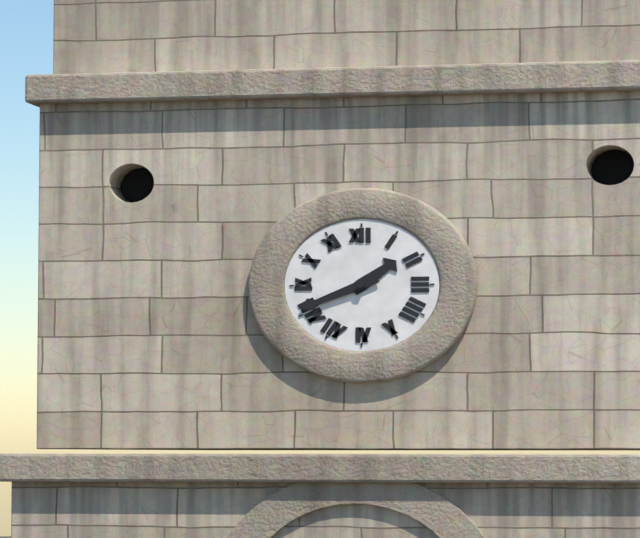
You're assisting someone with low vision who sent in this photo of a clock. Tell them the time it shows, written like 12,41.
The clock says 1,41
